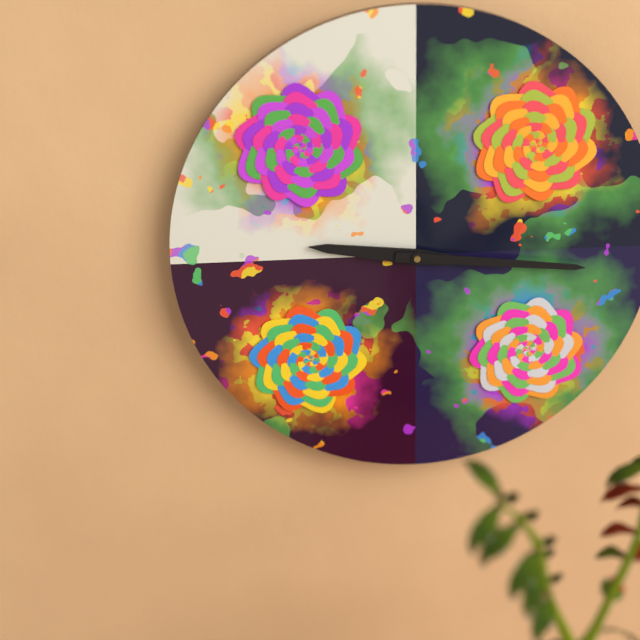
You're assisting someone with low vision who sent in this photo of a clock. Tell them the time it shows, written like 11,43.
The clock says 9,16
